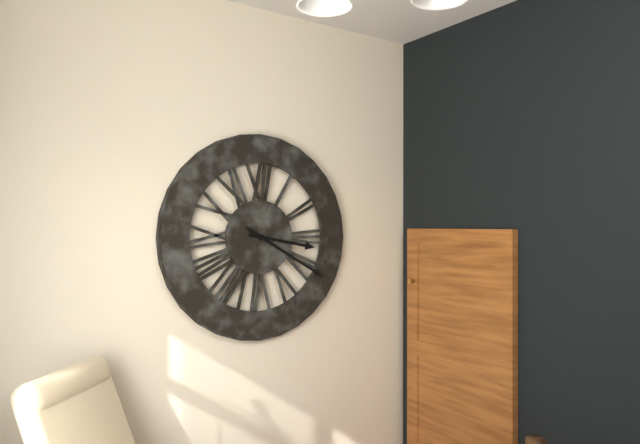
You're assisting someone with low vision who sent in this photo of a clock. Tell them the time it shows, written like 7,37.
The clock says 3,20
